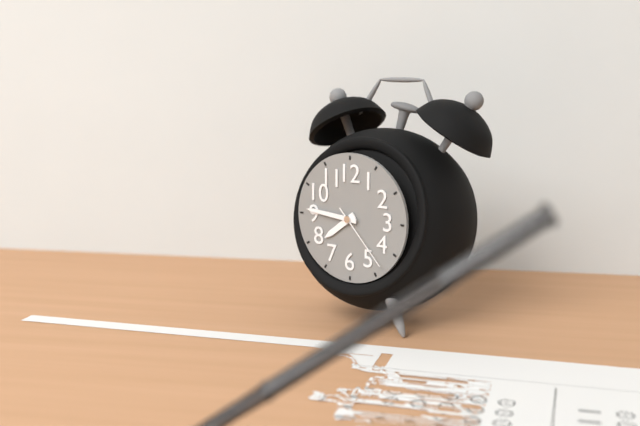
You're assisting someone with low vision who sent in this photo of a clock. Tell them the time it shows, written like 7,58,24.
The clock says 7,46,23
